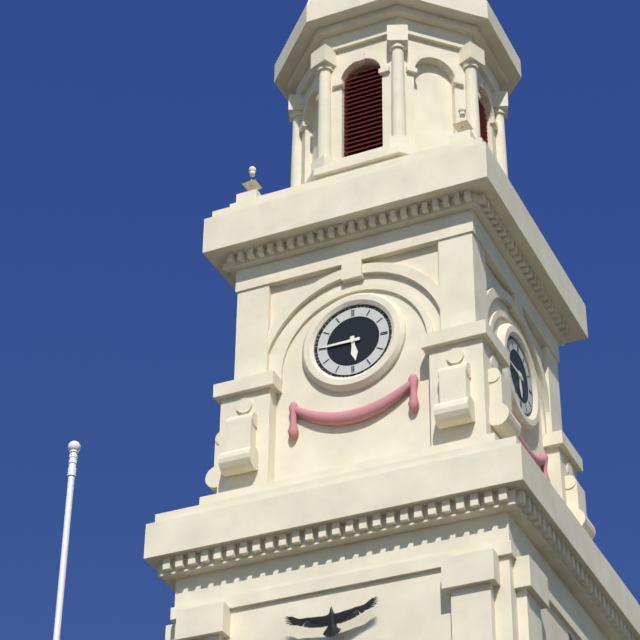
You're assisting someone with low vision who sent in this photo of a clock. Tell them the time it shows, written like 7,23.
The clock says 5,45
